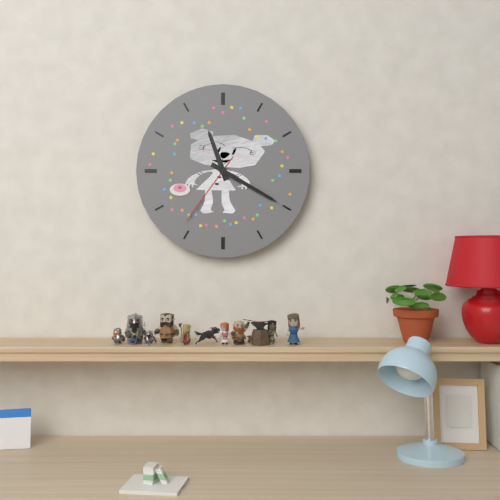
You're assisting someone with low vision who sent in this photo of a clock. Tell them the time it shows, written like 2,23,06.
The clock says 11,20,36
